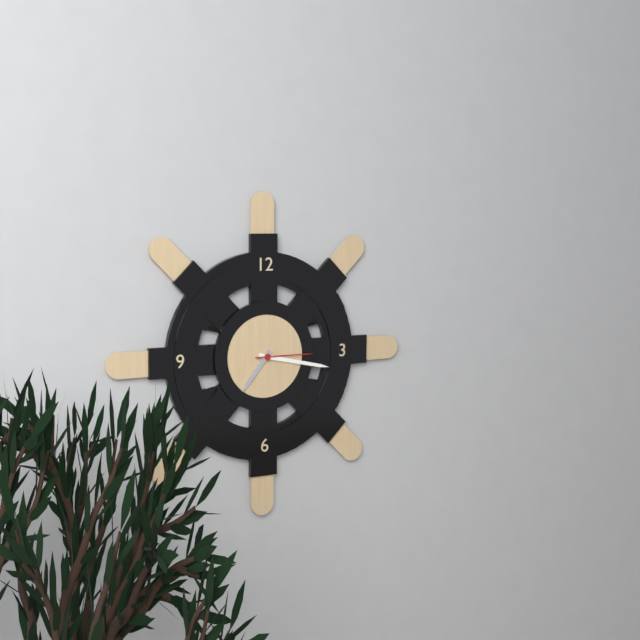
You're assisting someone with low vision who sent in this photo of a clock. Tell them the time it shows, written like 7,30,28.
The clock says 7,17,15
